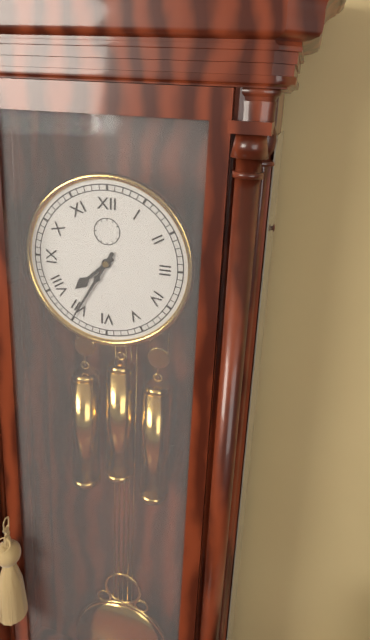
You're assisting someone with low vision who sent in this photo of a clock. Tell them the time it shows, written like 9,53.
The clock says 7,35
